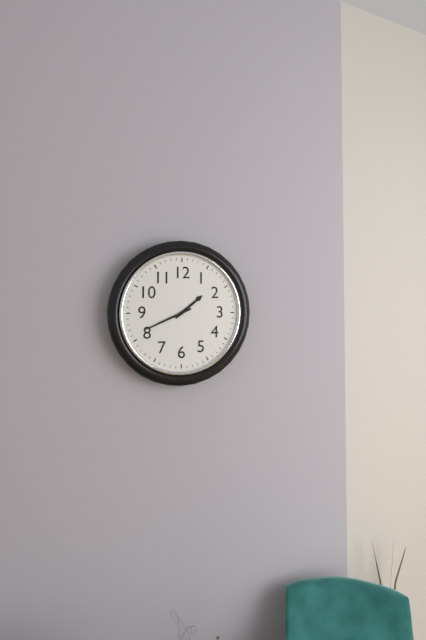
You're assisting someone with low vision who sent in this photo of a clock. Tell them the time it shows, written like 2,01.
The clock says 1,41
